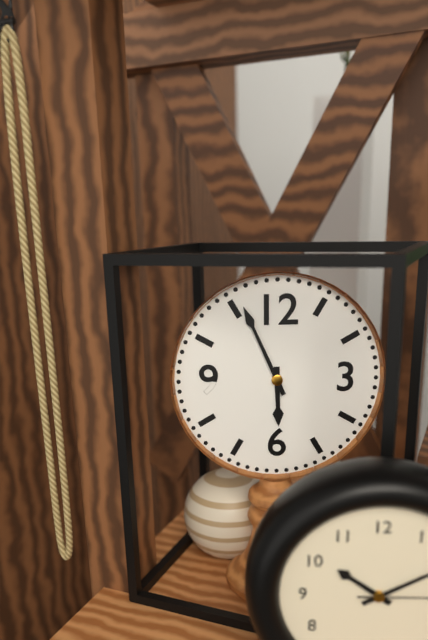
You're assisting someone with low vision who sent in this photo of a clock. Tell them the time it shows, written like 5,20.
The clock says 5,56
